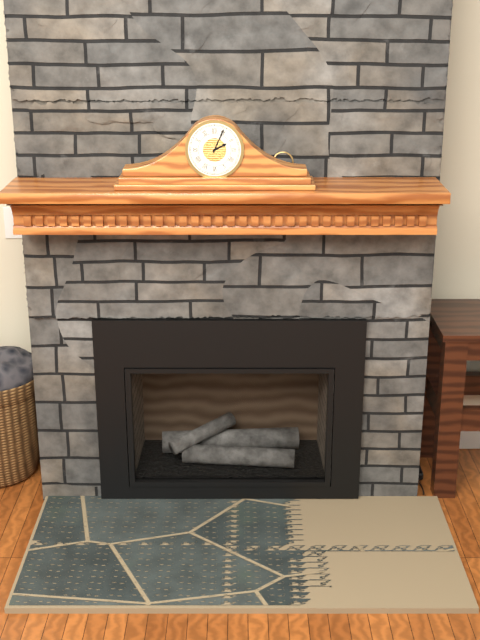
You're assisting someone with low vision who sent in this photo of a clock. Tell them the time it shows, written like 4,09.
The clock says 2,04
